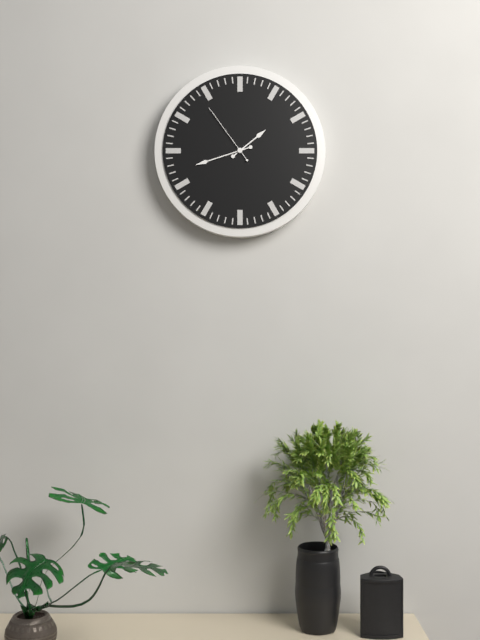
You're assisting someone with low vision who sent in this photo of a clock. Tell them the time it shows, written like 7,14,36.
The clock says 1,42,54
